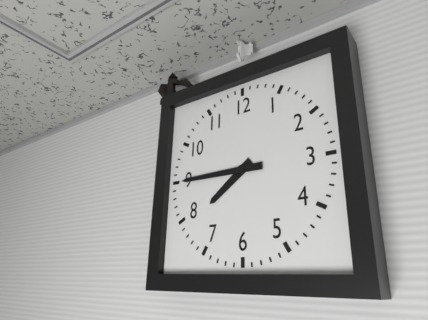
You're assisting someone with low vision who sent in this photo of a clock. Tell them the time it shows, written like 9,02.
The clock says 7,45
